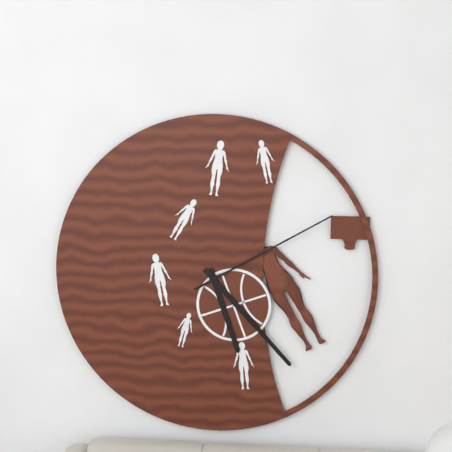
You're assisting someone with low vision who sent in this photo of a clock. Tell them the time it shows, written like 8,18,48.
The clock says 5,23,10
